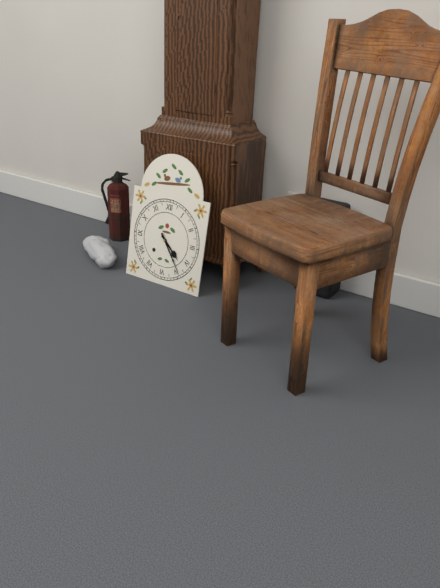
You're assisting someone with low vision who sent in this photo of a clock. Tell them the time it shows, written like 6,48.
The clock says 4,24
